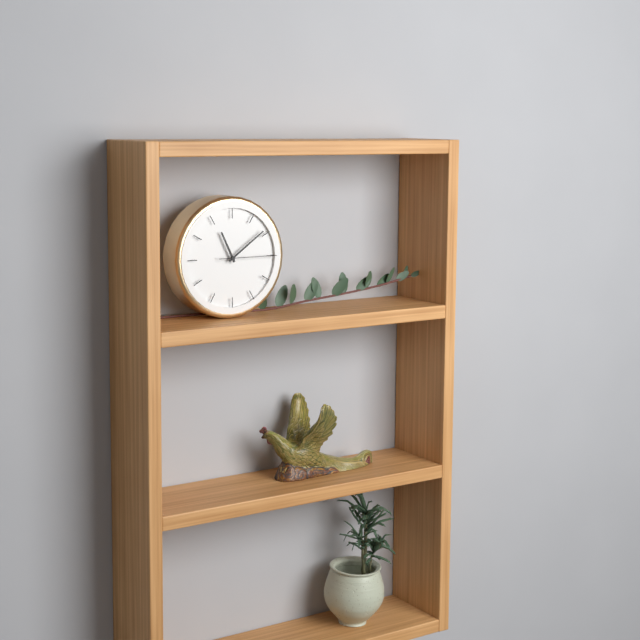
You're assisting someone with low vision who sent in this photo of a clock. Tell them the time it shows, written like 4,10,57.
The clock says 11,09,15
